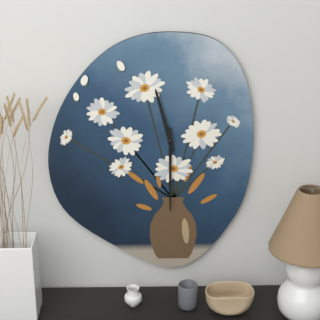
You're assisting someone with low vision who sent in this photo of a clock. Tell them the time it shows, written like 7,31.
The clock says 11,30
